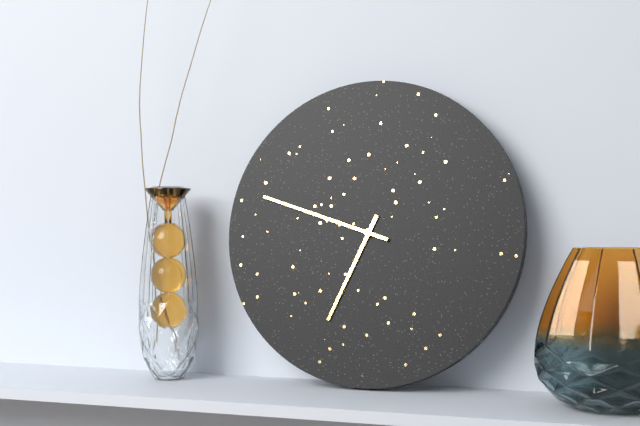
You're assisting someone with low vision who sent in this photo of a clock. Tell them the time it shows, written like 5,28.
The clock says 6,48
